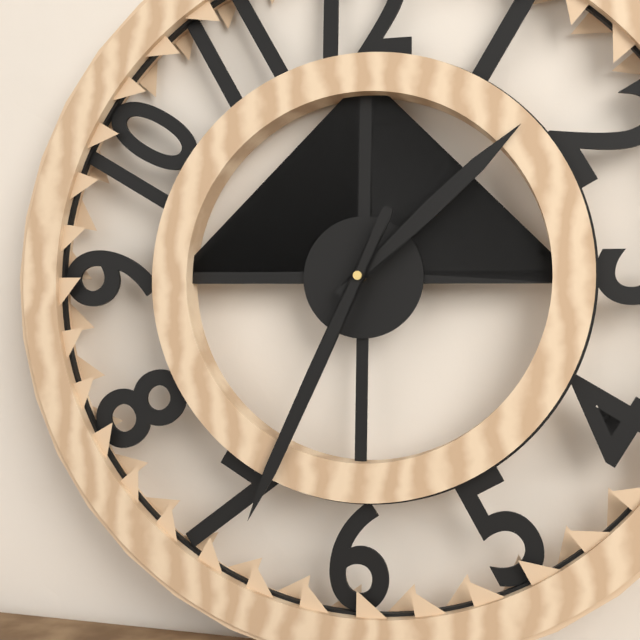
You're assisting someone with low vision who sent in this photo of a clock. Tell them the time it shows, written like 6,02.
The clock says 1,34
